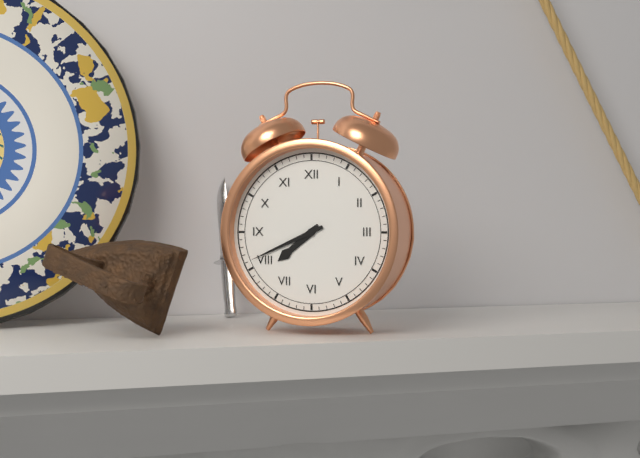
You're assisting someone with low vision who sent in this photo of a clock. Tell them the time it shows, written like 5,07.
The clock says 7,41
